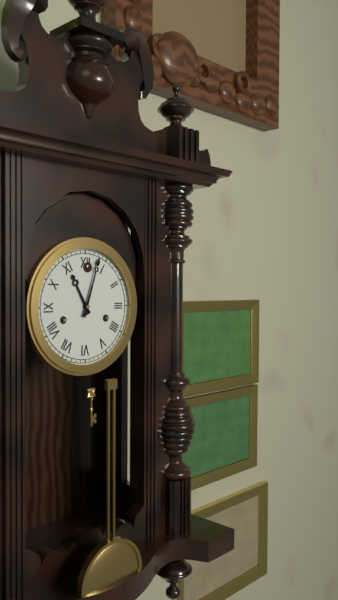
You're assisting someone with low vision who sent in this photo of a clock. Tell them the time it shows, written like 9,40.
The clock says 11,03
